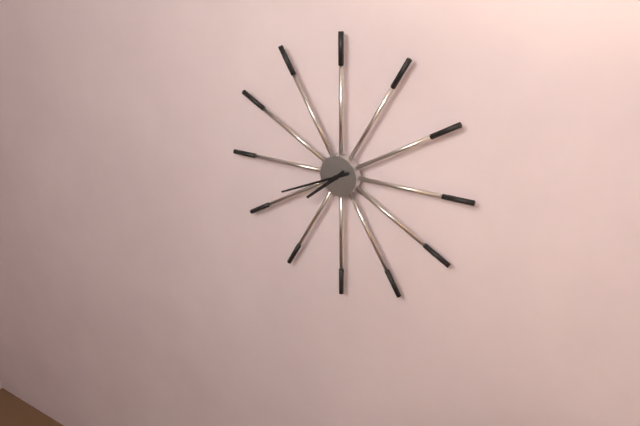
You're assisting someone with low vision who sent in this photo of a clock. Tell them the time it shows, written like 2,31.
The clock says 7,41
